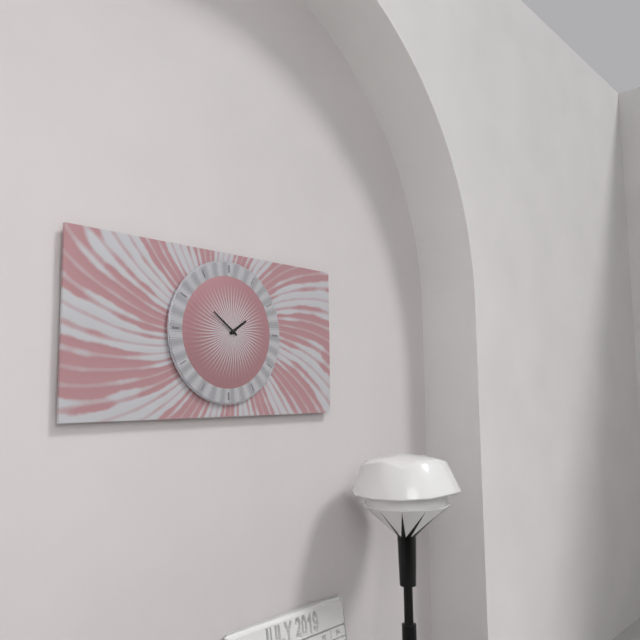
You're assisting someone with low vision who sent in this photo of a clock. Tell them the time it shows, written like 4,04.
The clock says 1,51
